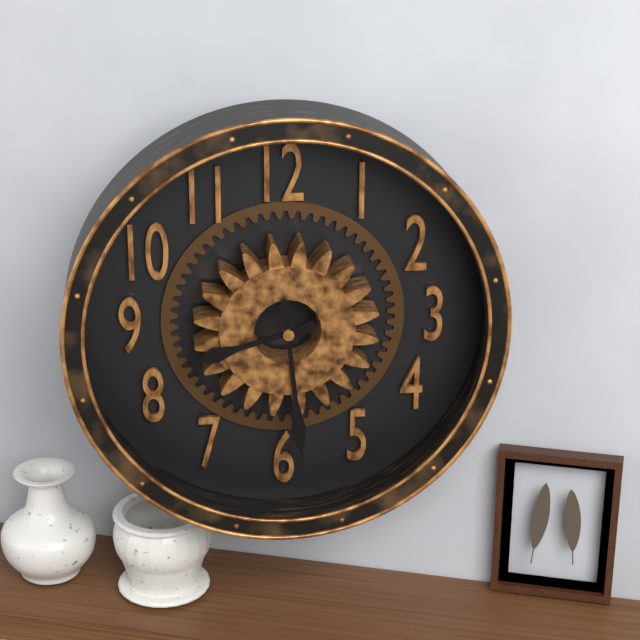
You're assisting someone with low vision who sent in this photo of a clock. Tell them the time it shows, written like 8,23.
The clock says 8,29
